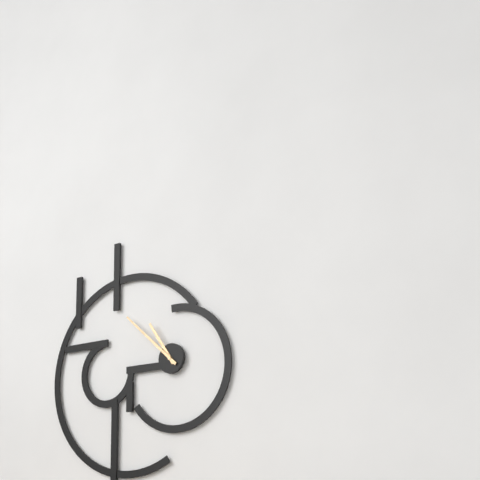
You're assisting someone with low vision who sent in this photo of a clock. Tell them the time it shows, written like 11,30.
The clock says 10,52
